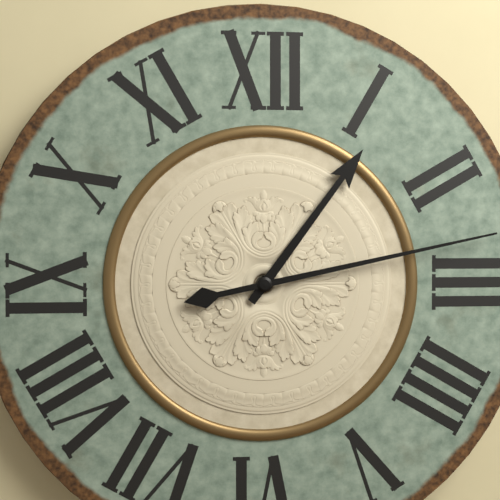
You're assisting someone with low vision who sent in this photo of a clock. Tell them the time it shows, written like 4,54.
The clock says 1,13
